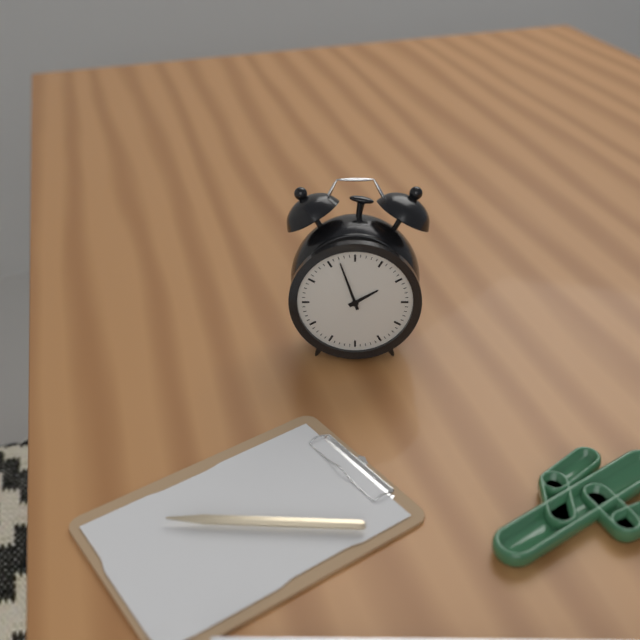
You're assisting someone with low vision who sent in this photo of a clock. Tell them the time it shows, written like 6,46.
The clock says 1,57
